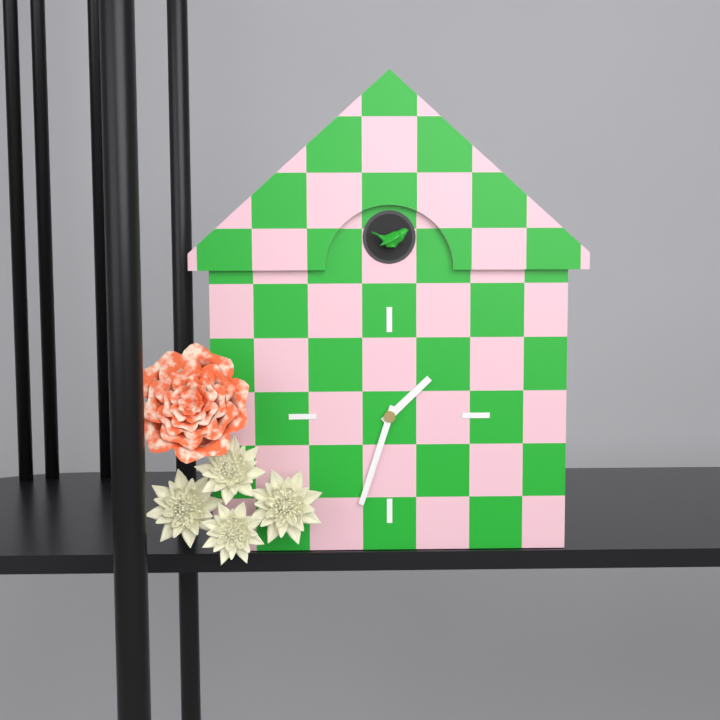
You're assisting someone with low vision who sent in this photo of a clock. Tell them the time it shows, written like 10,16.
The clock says 1,33
